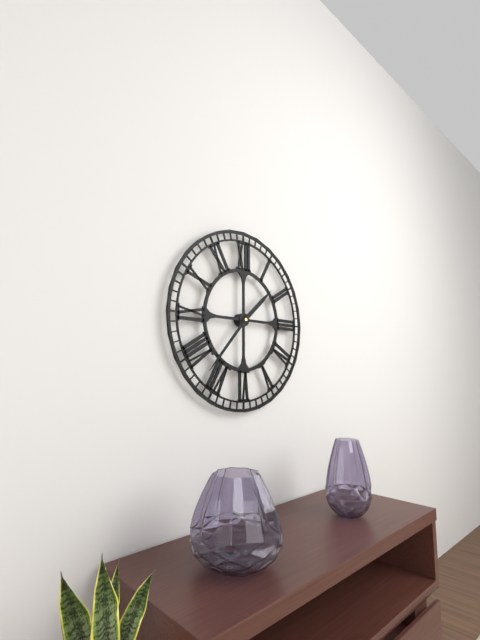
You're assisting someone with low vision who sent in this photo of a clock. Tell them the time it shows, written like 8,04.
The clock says 1,37
